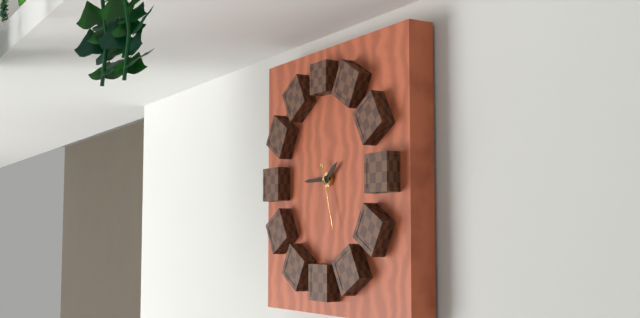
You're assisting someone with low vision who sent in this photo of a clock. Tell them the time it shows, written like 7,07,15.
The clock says 1,45,27
